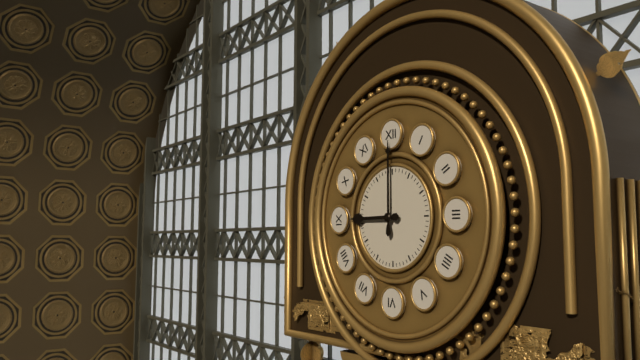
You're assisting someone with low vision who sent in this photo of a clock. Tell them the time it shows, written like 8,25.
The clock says 9,00
